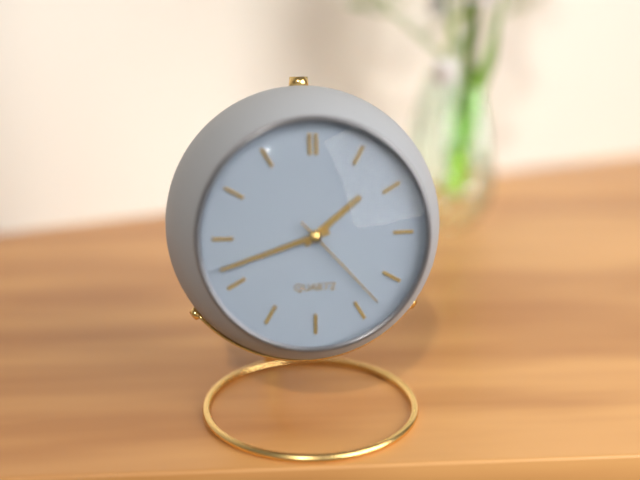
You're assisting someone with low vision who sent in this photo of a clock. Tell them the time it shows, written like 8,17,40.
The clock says 1,42,23
